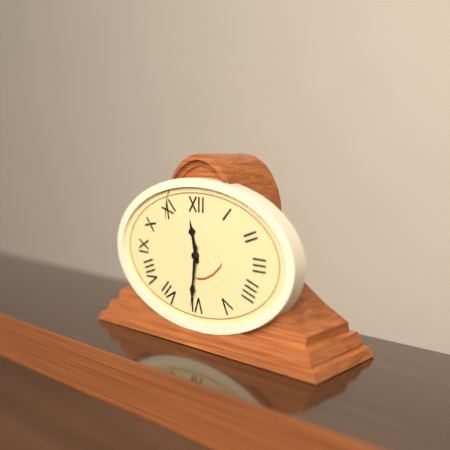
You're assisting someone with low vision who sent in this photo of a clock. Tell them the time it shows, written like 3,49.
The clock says 11,31
